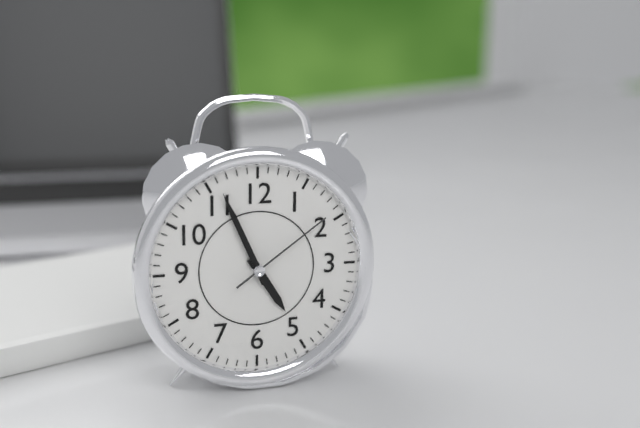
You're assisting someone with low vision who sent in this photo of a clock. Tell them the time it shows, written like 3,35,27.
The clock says 4,56,09
